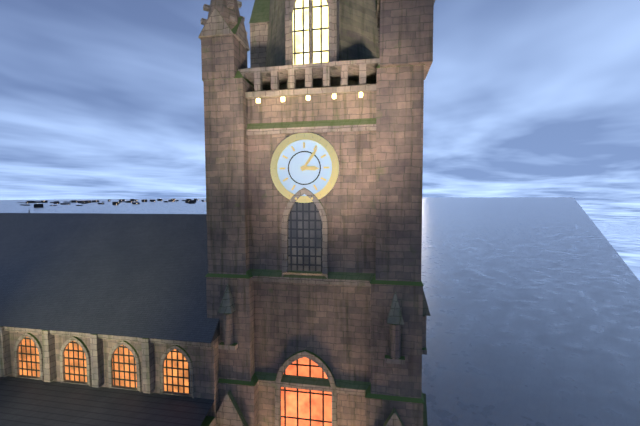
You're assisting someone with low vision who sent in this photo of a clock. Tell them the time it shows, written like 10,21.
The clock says 3,06
